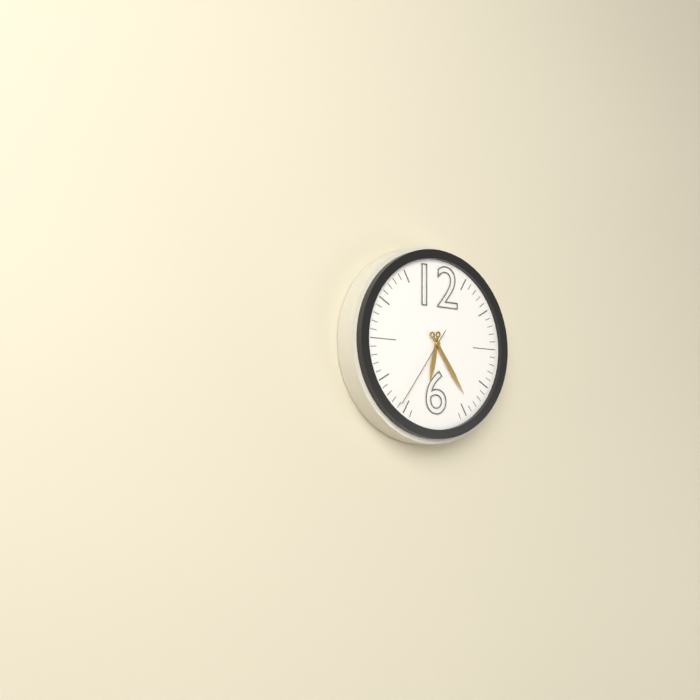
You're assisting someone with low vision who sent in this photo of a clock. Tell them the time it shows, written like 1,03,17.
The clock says 6,24,36
